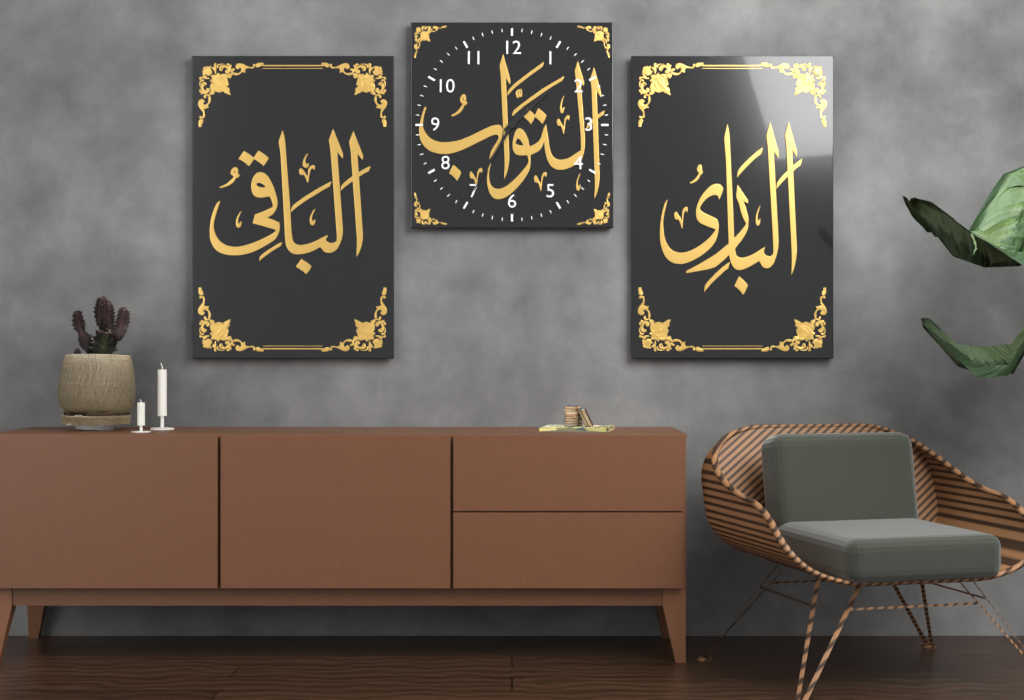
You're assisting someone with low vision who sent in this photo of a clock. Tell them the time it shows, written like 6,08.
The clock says 1,35
